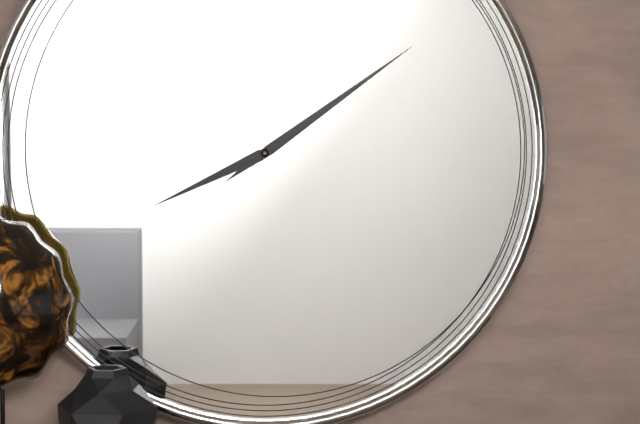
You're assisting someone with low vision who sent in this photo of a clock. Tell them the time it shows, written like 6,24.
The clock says 8,09
